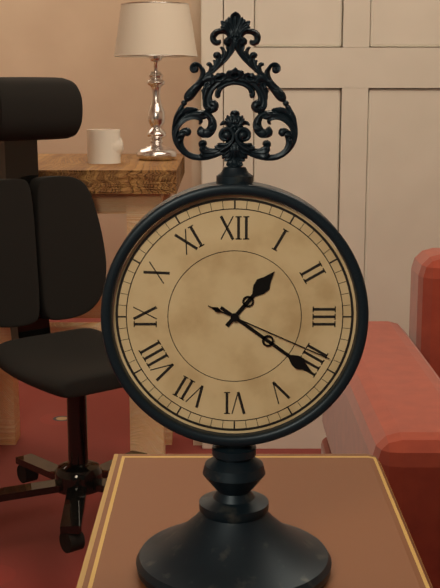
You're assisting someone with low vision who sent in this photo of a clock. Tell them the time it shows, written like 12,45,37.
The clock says 1,21,19
